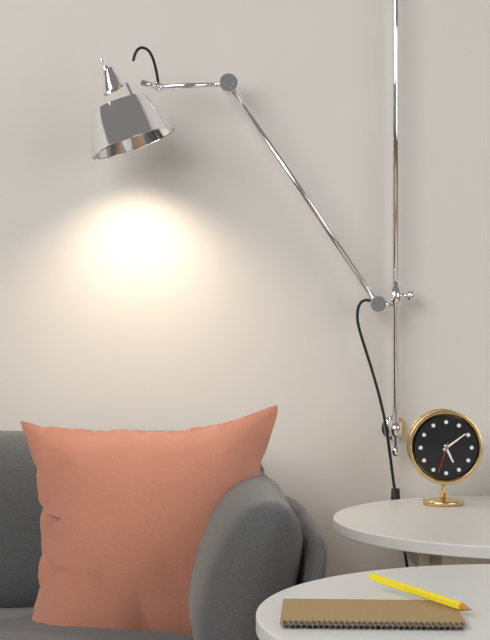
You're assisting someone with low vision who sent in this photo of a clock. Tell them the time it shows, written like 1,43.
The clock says 5,09
